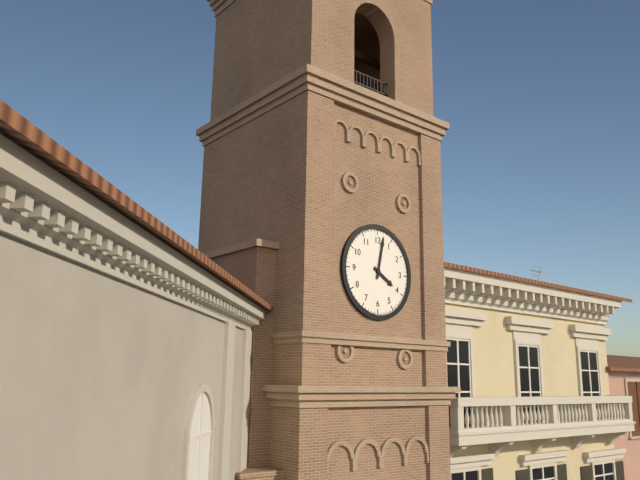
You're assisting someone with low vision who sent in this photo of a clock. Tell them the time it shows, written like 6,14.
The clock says 4,02
